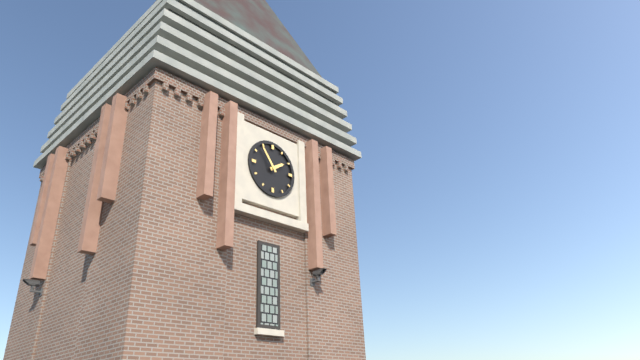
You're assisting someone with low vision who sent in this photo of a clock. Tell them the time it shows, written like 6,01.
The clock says 1,54
